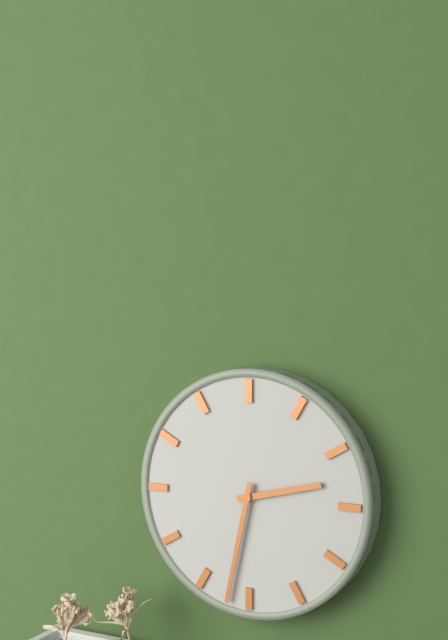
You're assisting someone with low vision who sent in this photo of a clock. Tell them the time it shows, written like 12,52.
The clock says 2,32
